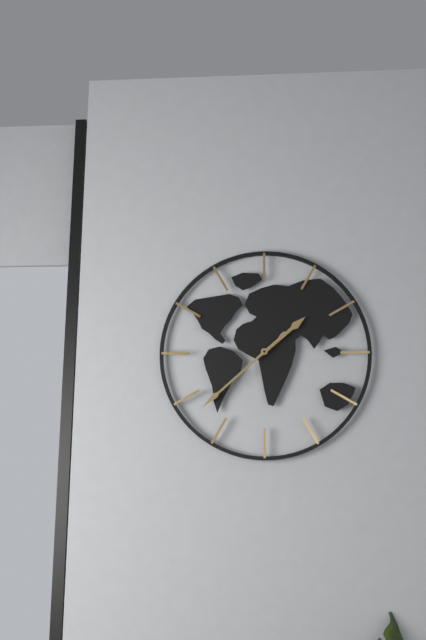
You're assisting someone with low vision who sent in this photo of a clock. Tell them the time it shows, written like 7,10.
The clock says 1,38
